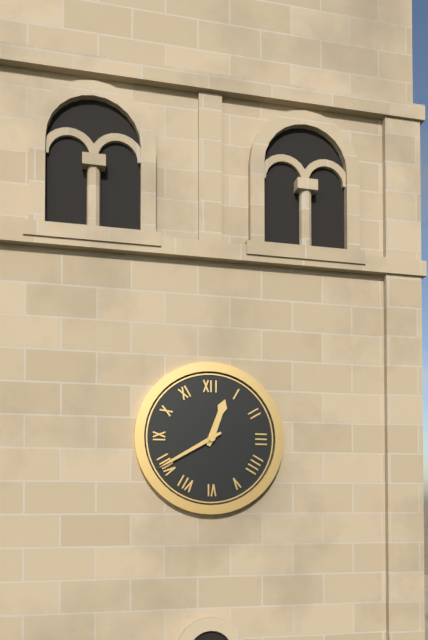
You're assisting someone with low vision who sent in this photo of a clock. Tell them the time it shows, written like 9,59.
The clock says 12,40
